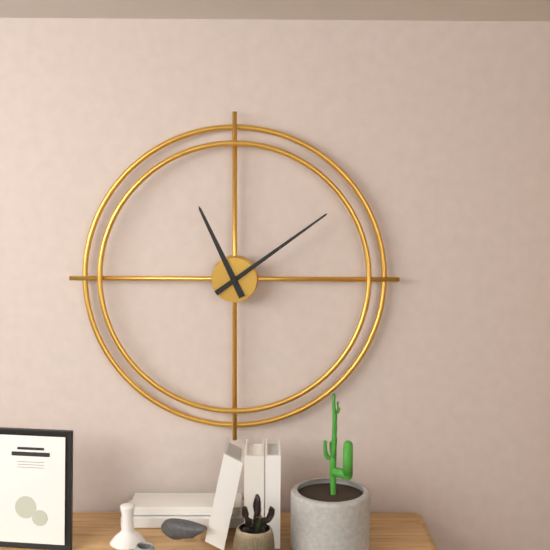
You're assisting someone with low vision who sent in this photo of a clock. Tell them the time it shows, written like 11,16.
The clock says 11,09
